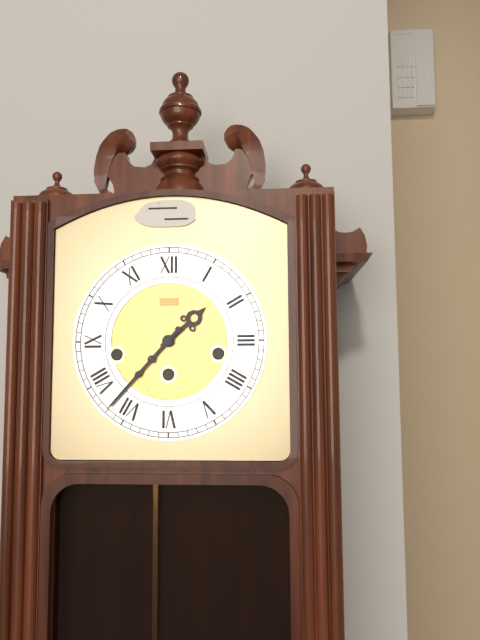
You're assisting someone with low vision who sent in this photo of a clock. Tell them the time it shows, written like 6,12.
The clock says 1,37
